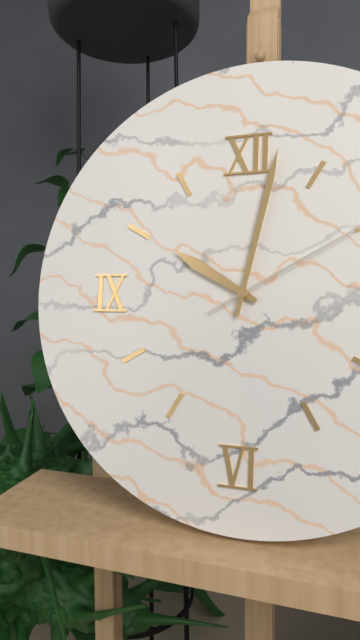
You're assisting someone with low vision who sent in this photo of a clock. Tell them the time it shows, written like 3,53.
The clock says 10,02
